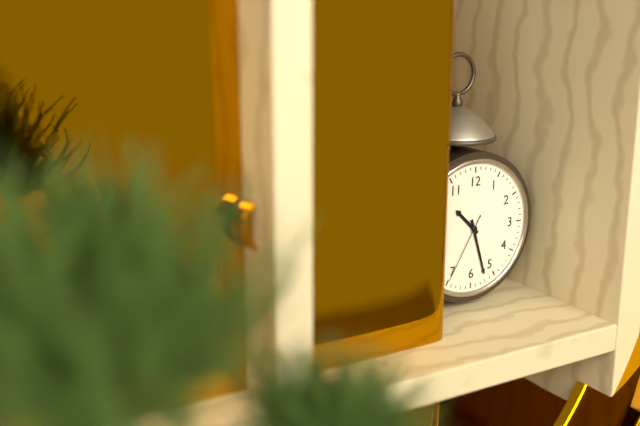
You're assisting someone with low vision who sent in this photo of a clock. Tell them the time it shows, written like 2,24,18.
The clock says 10,27,35
